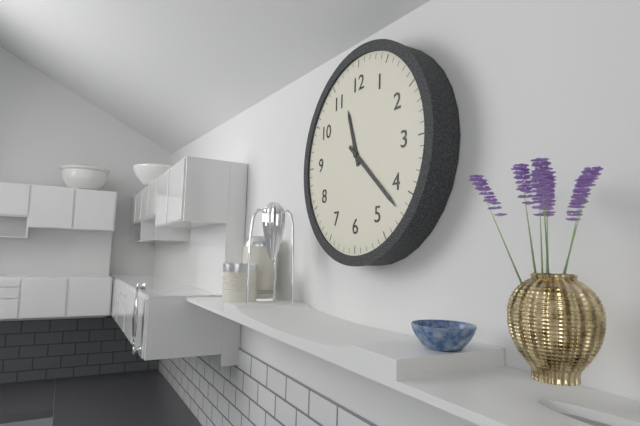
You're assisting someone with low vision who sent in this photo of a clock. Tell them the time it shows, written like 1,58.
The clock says 11,22
